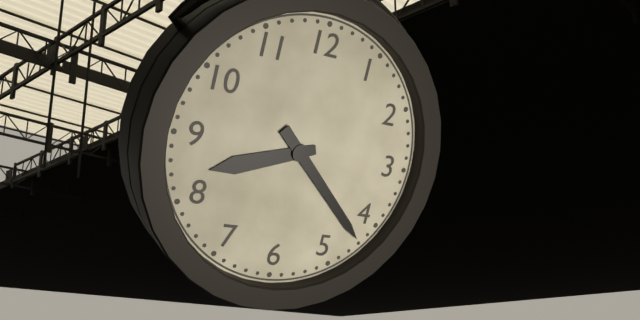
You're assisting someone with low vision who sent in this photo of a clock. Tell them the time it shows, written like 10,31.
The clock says 8,22
